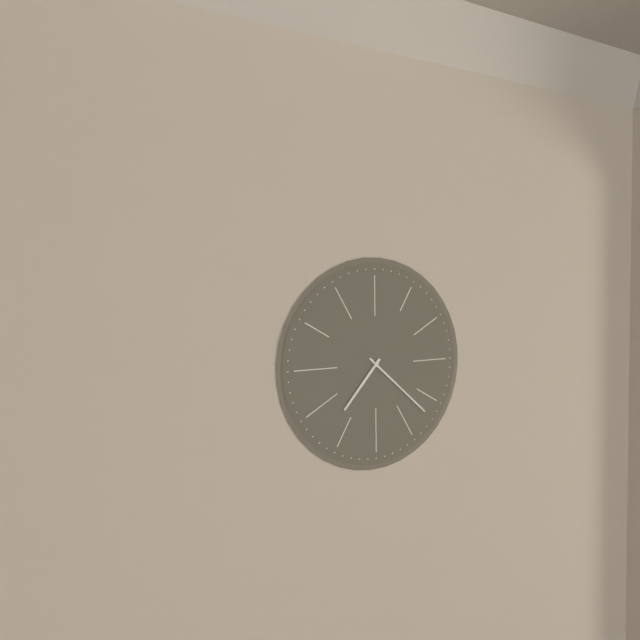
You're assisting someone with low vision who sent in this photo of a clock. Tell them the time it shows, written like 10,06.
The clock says 7,22
